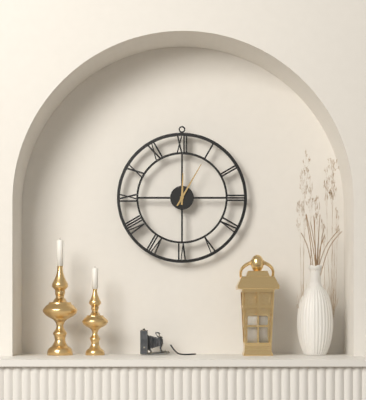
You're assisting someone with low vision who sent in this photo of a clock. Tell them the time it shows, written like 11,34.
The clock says 12,05
